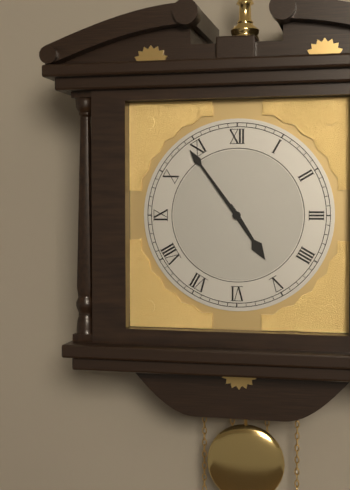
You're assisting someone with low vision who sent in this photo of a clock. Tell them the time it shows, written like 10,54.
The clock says 4,54
